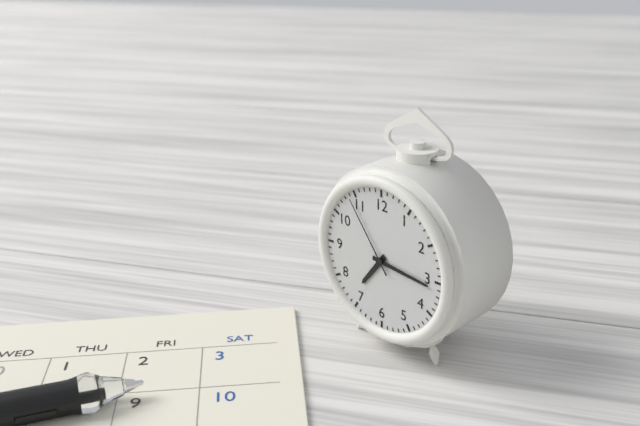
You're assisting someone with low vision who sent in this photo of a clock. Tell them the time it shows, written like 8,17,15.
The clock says 7,16,54
